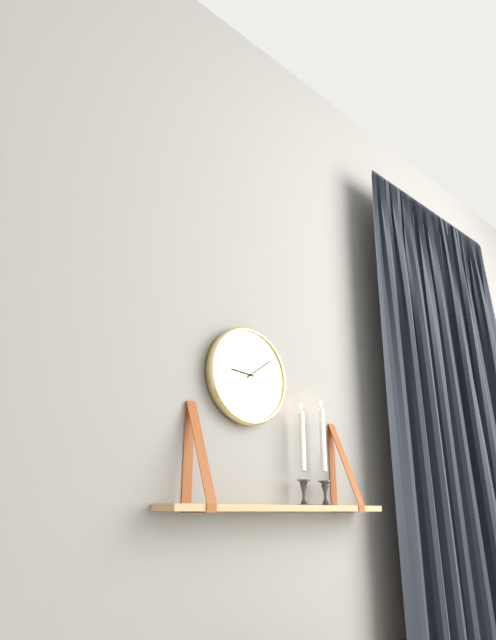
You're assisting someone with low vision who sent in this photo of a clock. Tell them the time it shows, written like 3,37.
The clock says 9,09
